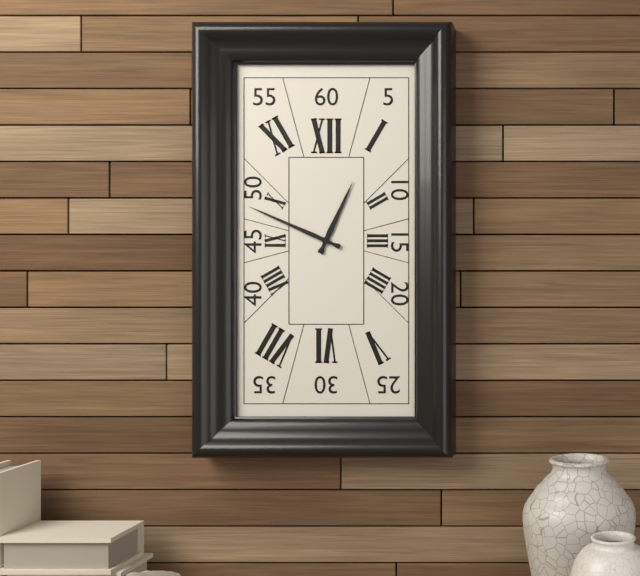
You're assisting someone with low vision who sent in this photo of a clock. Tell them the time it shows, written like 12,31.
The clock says 12,49
